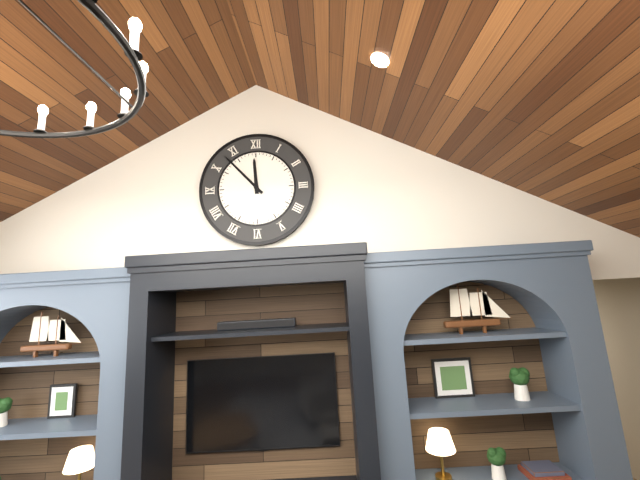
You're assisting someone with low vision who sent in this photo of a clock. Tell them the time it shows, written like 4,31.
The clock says 11,53
